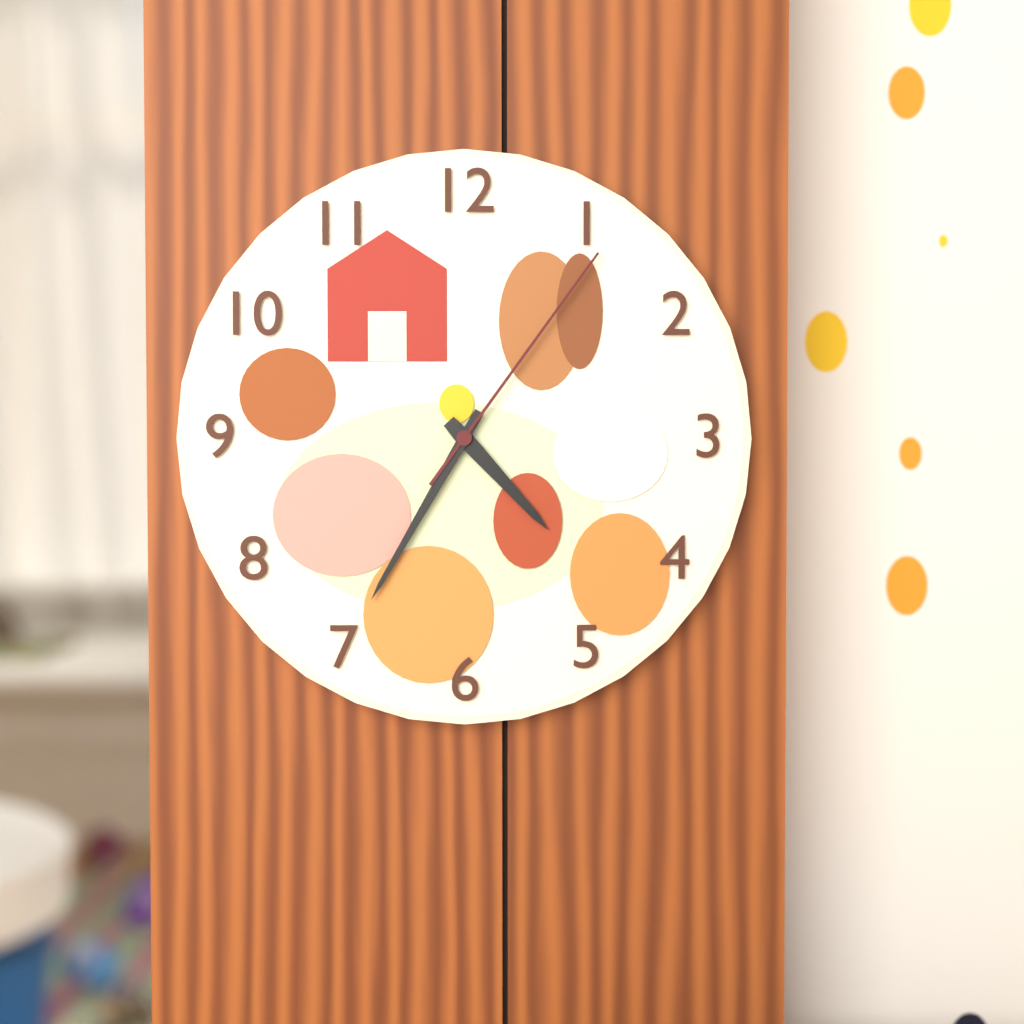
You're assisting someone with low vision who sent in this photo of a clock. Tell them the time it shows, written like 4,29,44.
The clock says 4,35,06
